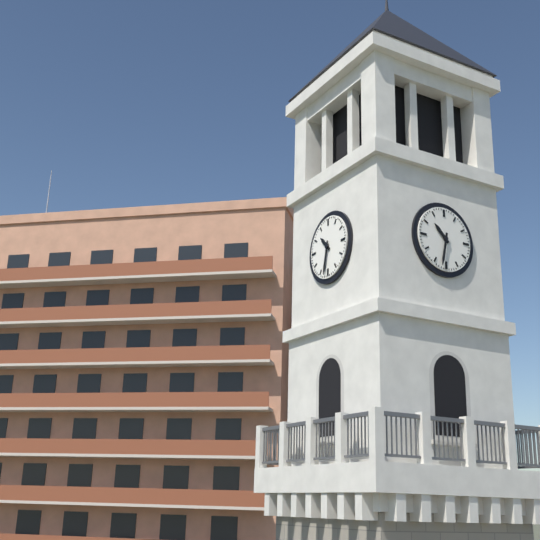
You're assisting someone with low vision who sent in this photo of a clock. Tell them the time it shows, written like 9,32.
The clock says 10,32
